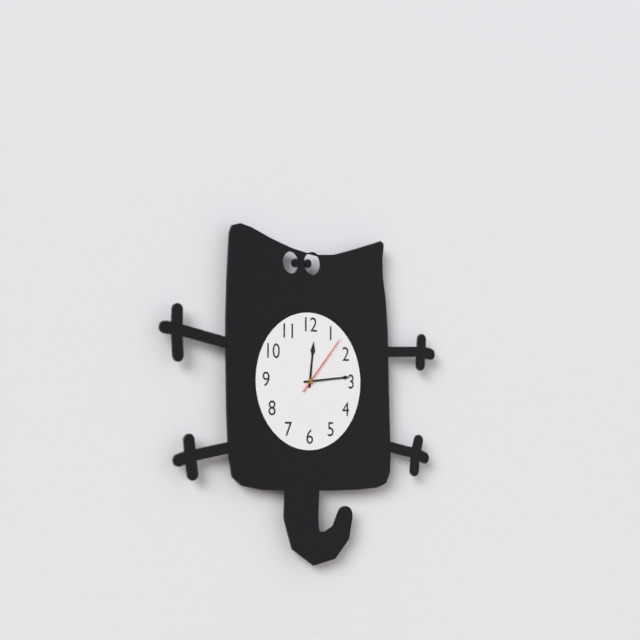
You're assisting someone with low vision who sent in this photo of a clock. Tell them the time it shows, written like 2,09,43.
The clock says 12,14,07
